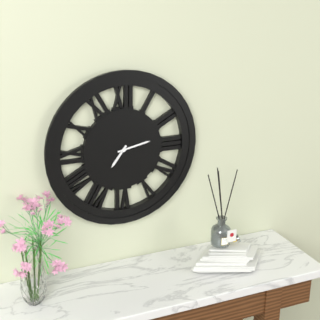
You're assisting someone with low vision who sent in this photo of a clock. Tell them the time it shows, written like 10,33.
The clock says 7,13
